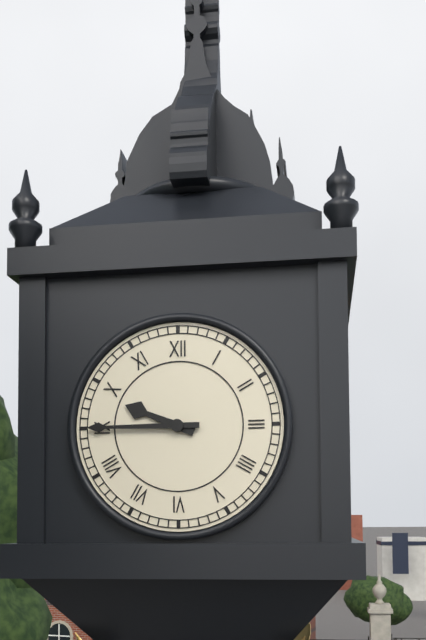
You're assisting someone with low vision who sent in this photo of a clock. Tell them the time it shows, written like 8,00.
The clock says 9,45
